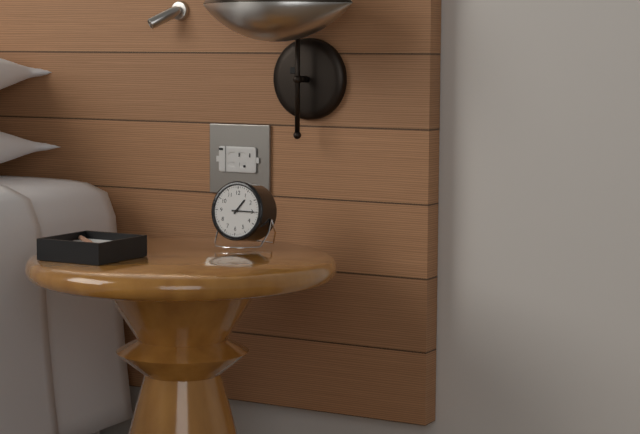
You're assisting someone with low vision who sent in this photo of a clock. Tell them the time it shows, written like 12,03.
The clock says 1,15
